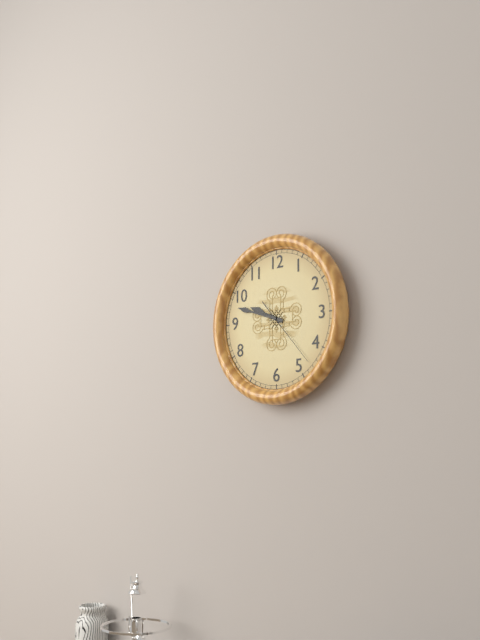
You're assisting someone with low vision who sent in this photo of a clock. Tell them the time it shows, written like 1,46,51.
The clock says 9,48,23
